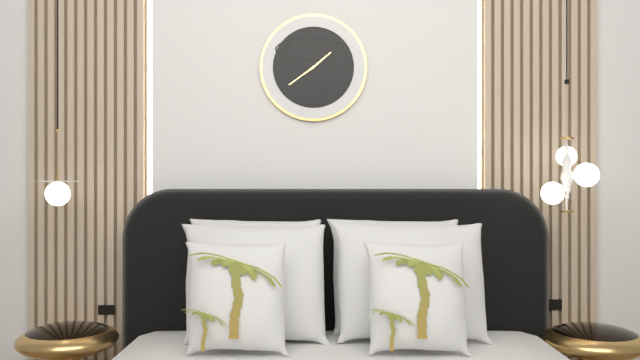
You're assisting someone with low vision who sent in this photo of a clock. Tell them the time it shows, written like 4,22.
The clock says 1,39
